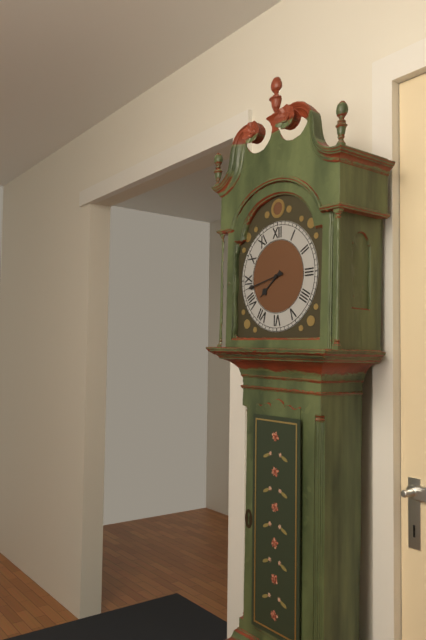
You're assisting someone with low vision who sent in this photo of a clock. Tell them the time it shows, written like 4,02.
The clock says 7,43
